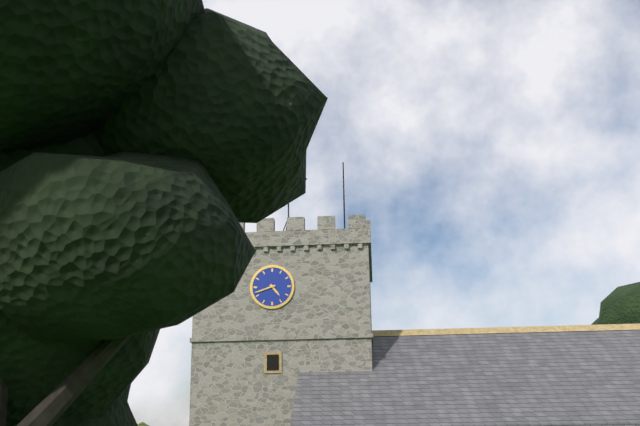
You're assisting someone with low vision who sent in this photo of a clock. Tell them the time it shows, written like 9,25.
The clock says 4,42
